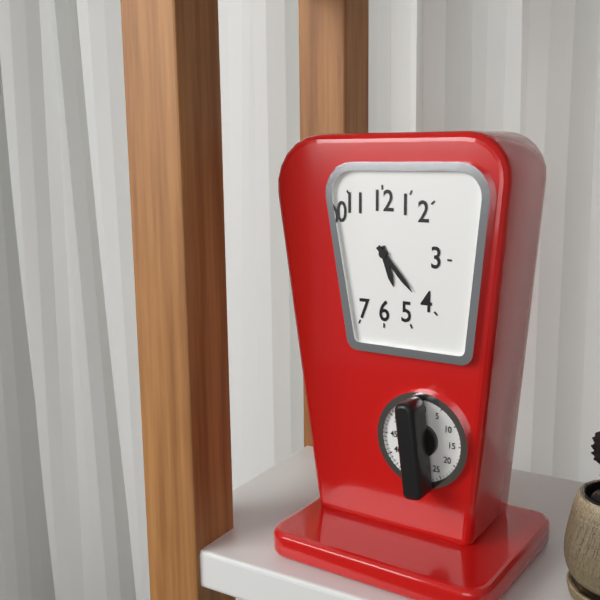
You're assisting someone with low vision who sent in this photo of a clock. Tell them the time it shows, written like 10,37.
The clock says 5,23
